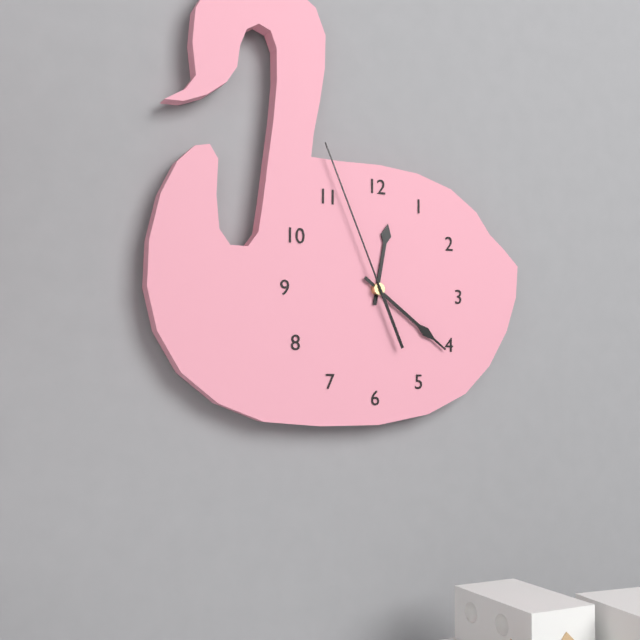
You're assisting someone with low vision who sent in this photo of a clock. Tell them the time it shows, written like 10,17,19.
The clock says 12,21,56
